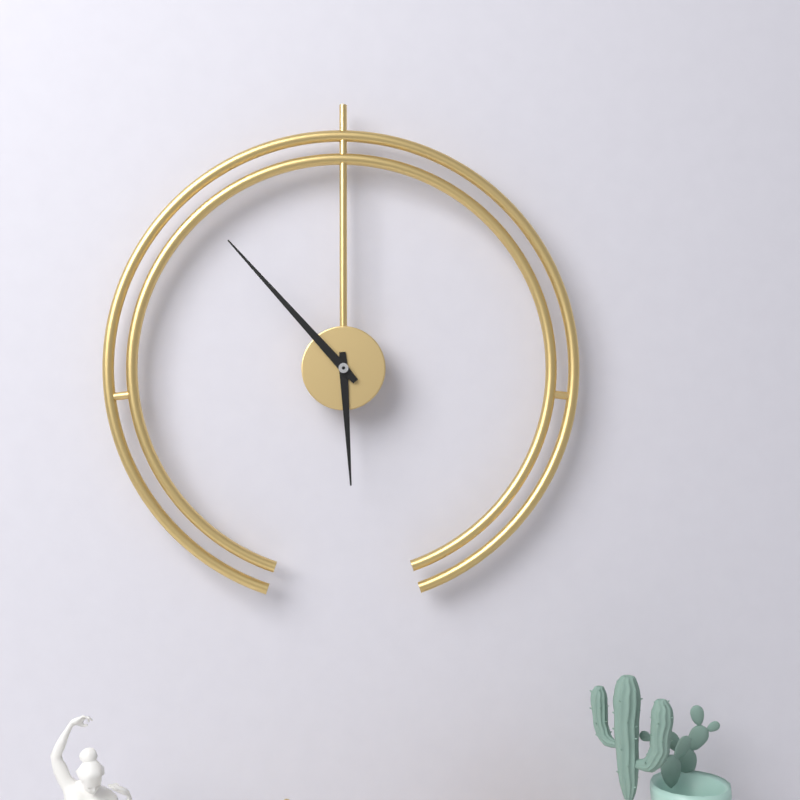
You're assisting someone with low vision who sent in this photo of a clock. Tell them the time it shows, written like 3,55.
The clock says 5,53
